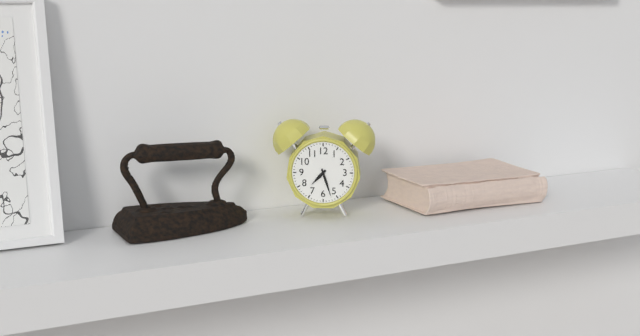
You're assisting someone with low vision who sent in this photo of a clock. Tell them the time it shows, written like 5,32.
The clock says 7,27
